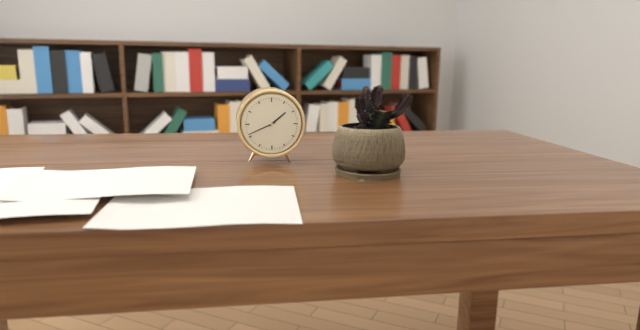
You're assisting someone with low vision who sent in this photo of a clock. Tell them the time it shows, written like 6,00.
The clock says 1,41
